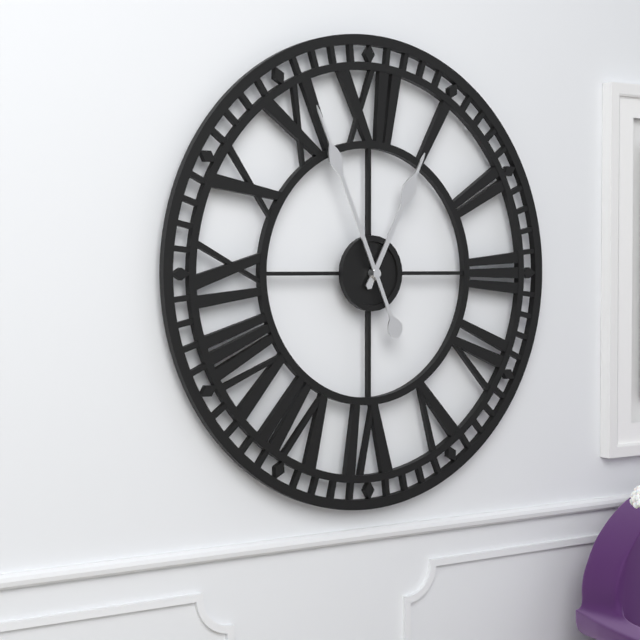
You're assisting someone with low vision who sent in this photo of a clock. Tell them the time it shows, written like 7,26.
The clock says 12,56
